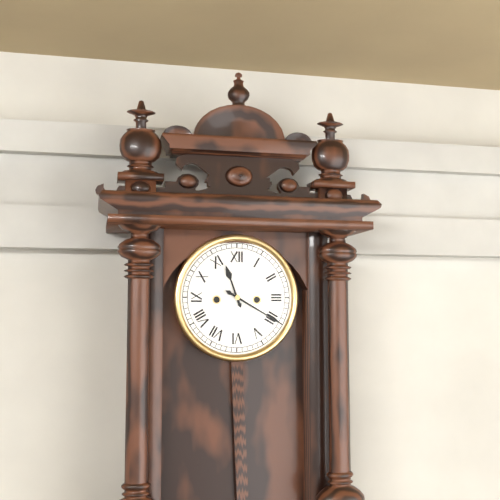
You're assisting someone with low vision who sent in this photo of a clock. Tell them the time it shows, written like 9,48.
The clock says 11,20
